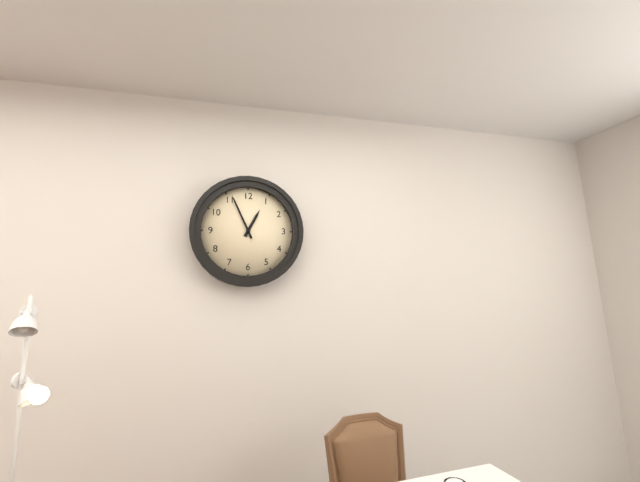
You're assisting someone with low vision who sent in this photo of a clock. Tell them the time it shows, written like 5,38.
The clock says 12,56
